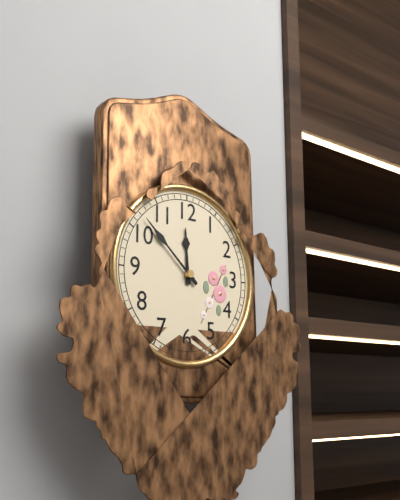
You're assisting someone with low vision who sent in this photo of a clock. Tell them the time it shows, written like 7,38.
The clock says 11,52
